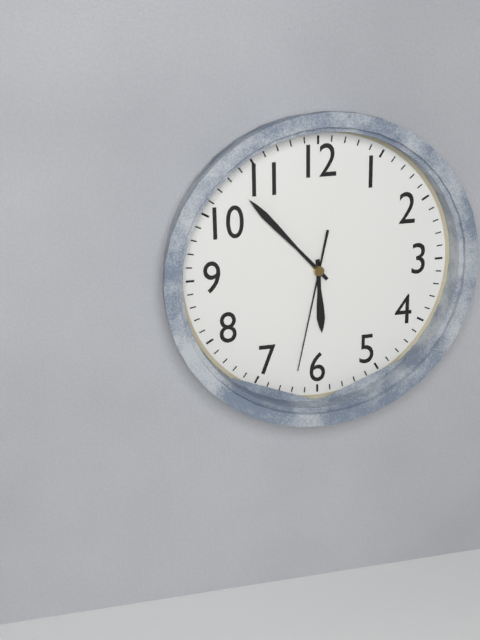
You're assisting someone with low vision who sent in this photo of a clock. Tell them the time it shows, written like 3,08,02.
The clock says 5,53,32
